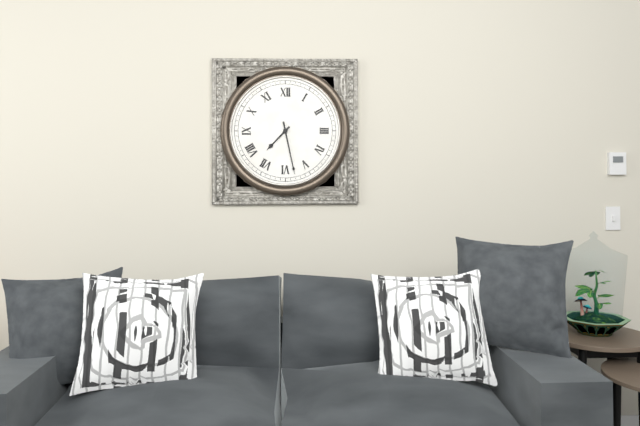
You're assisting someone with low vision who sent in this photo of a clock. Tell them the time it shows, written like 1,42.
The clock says 7,28
